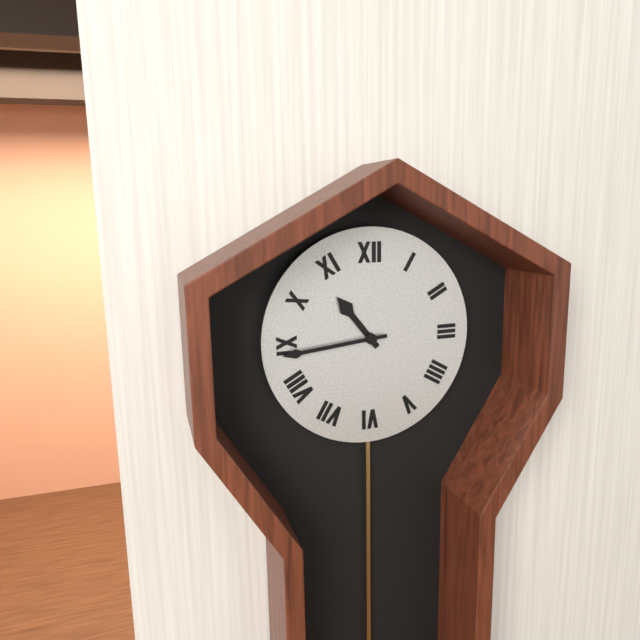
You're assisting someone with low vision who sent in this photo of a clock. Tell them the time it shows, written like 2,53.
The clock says 10,44
